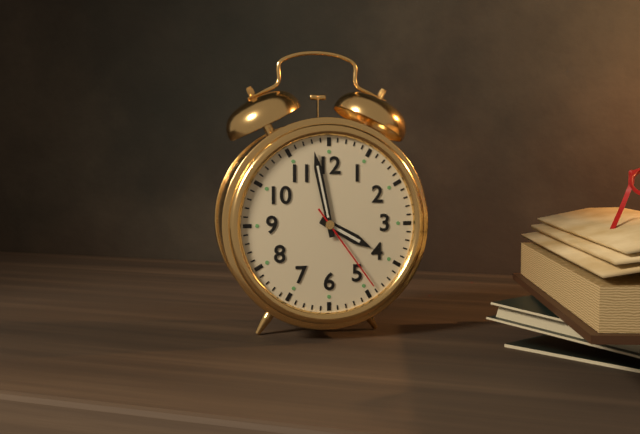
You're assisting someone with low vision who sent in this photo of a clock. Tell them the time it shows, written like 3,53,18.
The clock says 3,58,24
